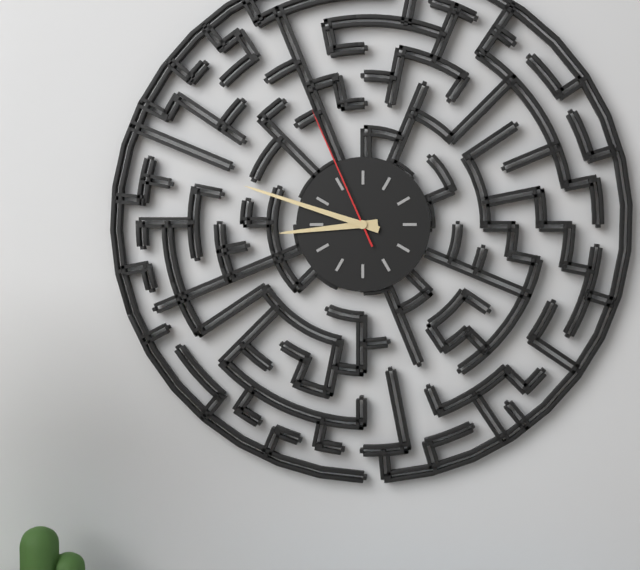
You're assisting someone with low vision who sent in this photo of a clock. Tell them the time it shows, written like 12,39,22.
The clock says 8,48,56
